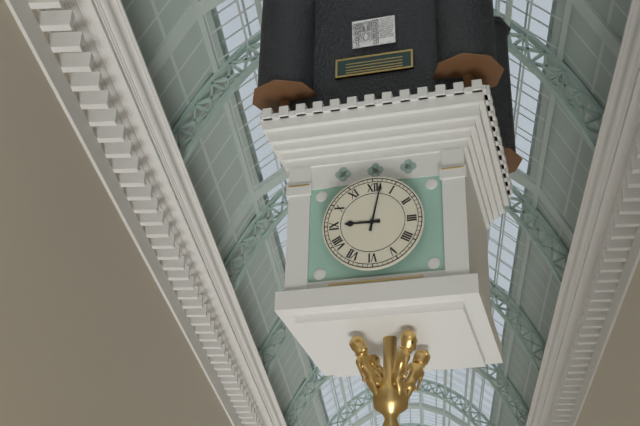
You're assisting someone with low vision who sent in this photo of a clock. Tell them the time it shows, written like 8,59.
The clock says 9,02
